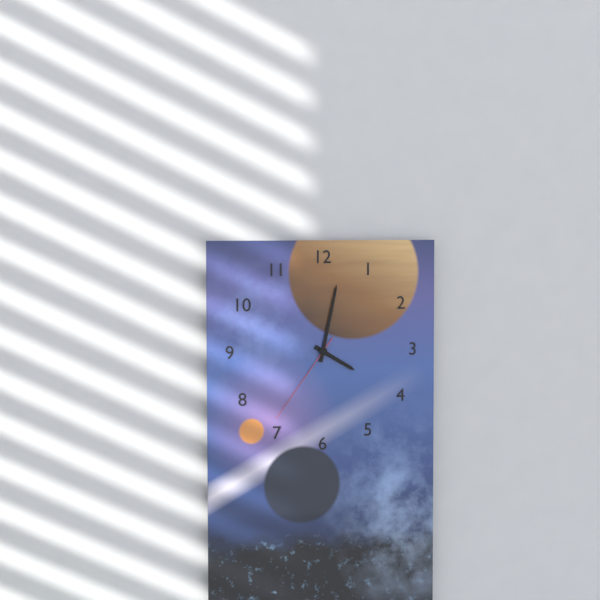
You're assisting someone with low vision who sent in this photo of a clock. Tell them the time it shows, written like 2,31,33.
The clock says 4,02,36
